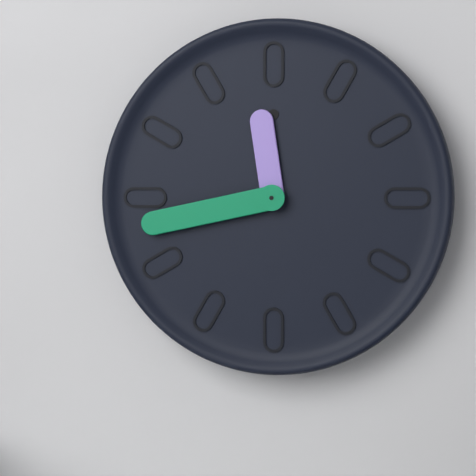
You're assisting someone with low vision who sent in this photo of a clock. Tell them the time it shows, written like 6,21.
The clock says 11,43
